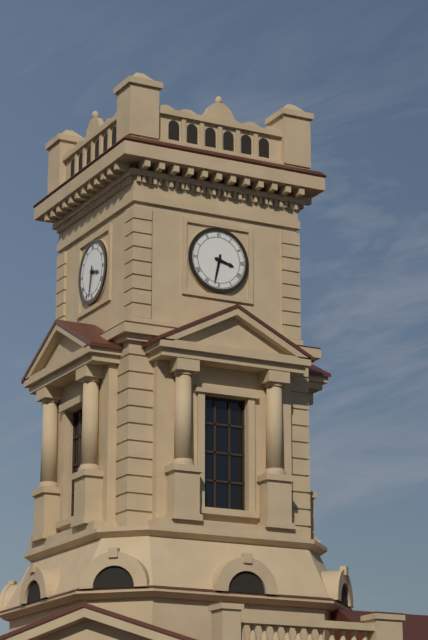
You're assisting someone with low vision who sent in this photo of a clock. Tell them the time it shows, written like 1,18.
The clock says 3,32
